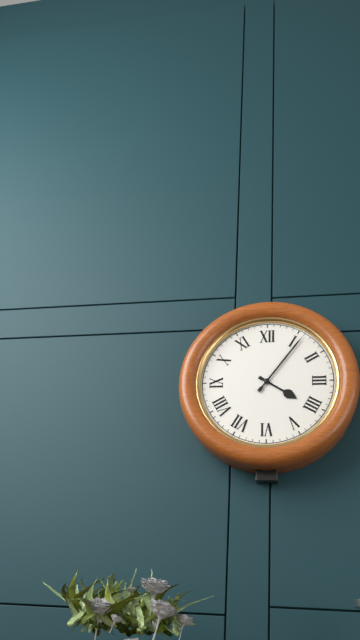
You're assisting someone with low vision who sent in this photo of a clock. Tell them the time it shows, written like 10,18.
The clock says 4,06
